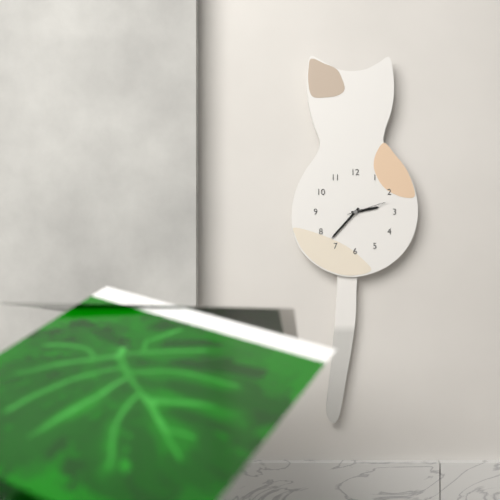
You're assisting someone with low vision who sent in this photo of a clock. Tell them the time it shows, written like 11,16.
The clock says 2,37
